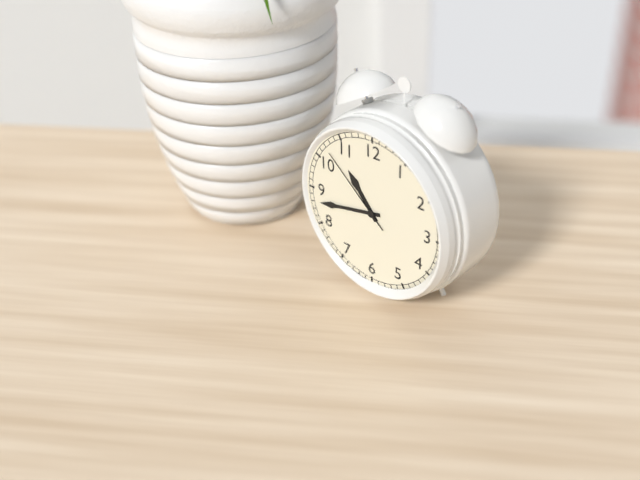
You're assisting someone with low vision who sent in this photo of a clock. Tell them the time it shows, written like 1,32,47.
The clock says 10,43,52
